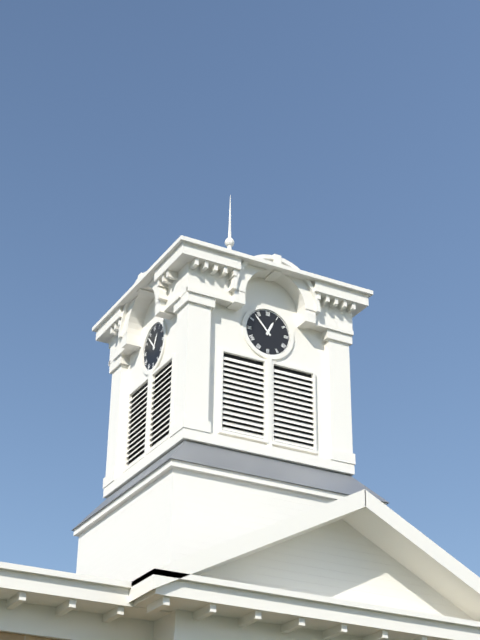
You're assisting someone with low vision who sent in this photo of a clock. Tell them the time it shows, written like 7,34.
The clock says 12,53
